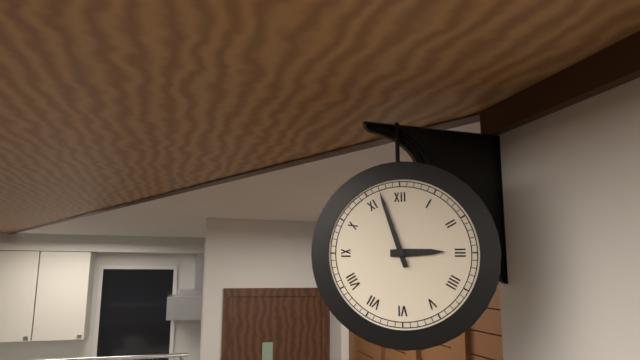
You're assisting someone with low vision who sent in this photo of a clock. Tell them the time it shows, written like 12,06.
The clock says 2,57
